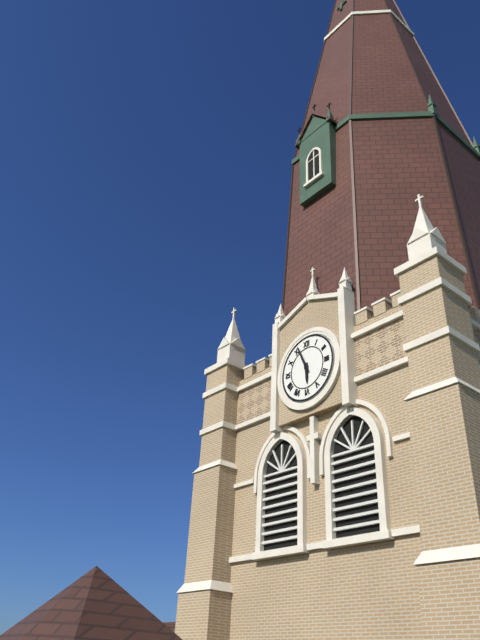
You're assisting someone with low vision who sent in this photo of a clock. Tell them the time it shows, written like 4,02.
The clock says 5,56
